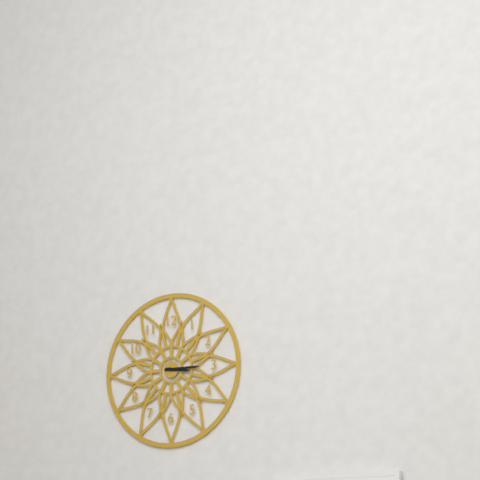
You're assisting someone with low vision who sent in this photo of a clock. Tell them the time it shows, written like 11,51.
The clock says 3,15
